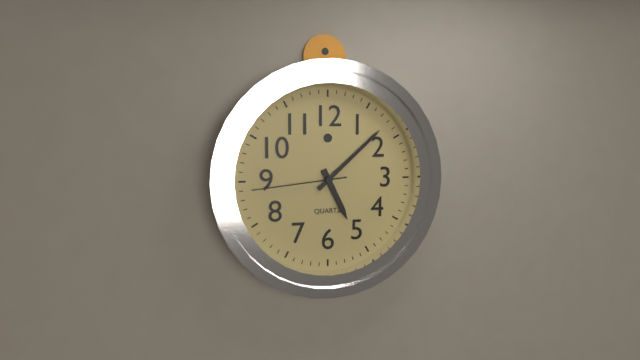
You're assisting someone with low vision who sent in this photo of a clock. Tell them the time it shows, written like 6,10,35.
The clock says 5,08,44
